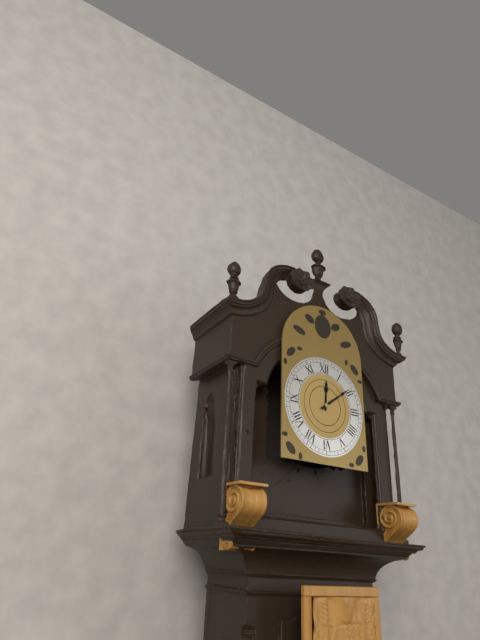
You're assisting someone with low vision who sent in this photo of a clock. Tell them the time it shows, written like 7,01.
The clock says 12,09
